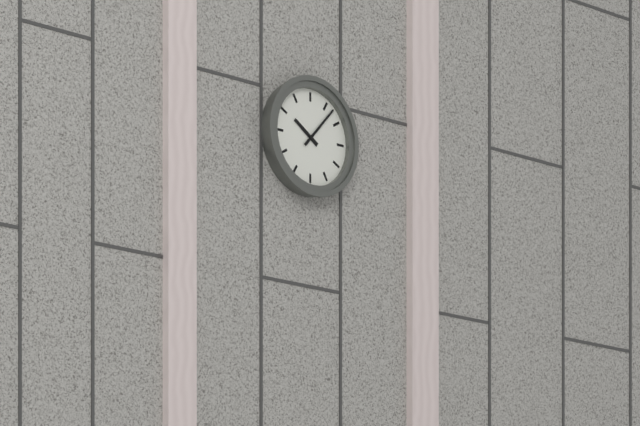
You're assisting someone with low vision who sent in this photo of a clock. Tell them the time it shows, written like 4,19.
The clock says 10,07
